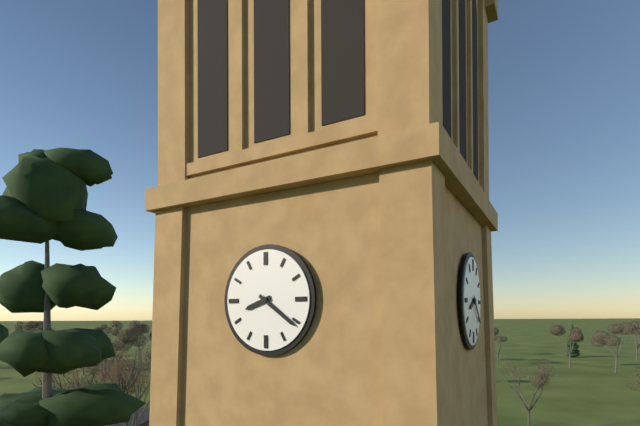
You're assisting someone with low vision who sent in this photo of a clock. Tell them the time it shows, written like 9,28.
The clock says 8,21
